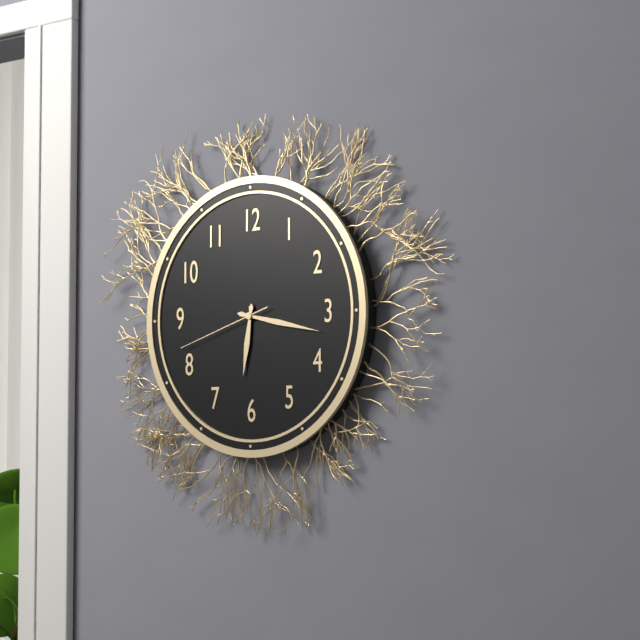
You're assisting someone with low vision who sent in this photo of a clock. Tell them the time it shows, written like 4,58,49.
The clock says 6,17,42
